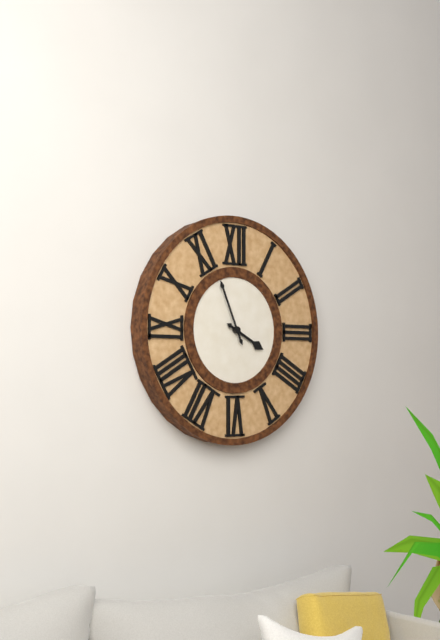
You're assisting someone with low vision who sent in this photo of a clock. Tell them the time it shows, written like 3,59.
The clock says 3,56
